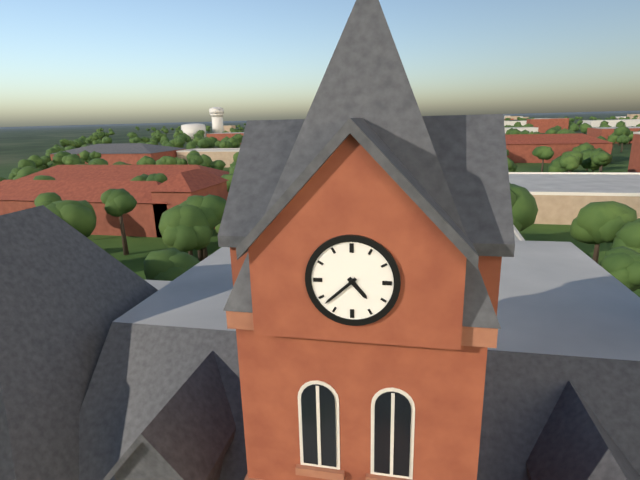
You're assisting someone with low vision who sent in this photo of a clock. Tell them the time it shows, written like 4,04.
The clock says 4,38
